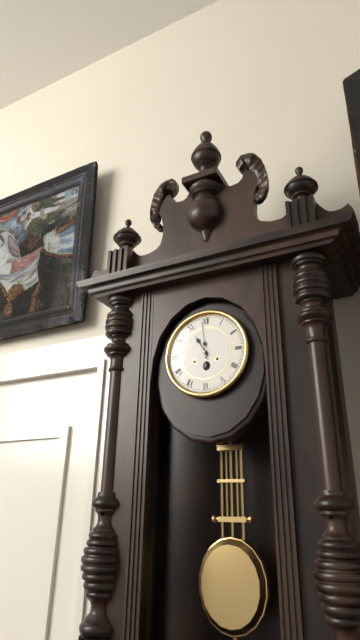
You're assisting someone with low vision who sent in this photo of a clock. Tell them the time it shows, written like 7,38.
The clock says 10,59
